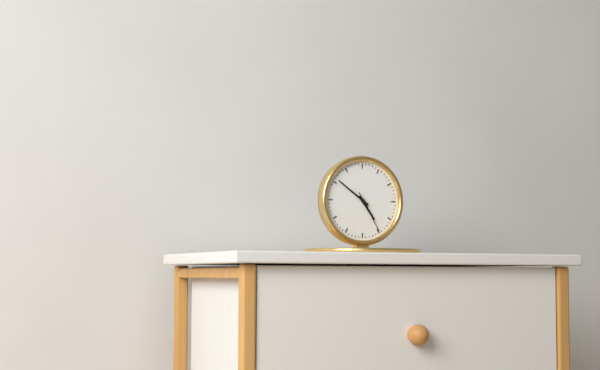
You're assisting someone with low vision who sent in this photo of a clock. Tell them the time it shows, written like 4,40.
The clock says 4,51
